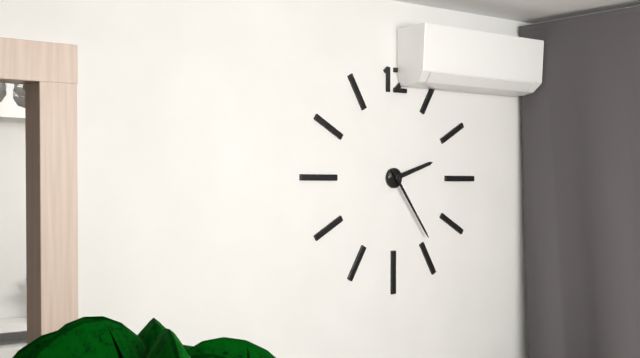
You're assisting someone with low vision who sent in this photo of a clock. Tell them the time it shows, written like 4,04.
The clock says 2,24
